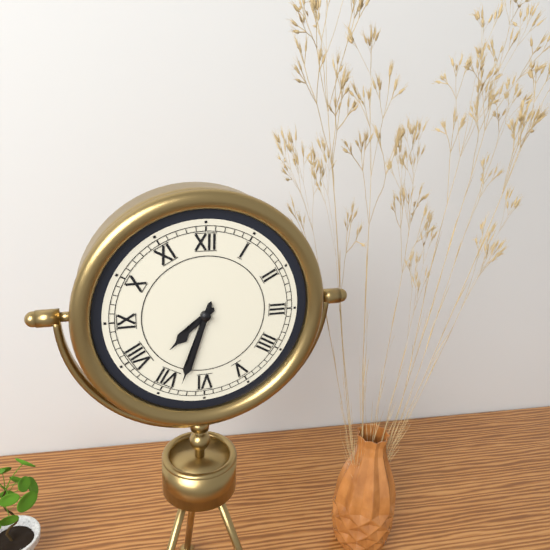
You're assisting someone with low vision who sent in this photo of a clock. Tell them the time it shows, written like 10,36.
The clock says 7,33
